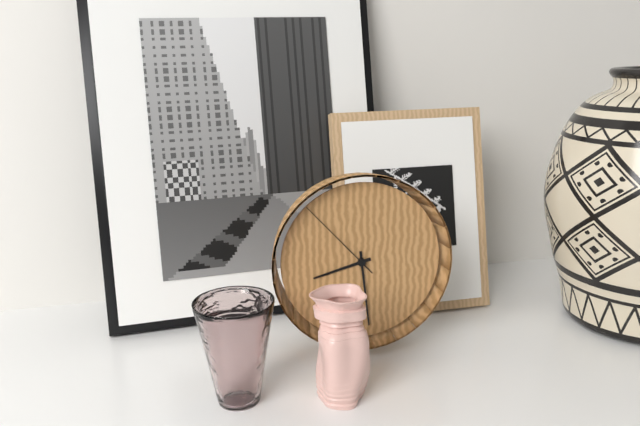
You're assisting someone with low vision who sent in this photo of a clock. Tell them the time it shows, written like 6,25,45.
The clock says 8,29,53
